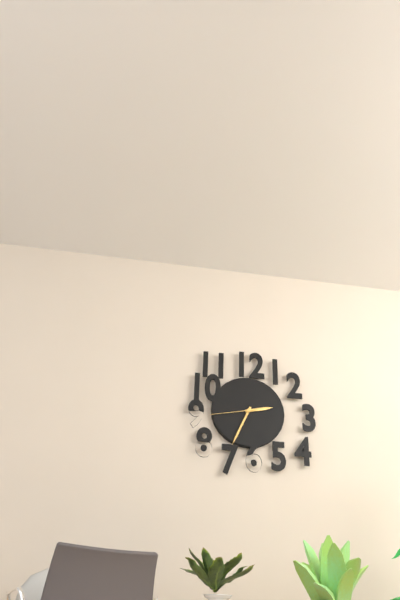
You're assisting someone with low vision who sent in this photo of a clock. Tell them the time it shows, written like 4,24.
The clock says 2,34
